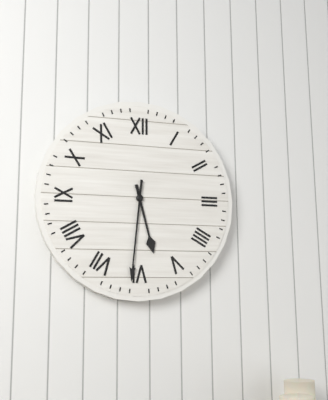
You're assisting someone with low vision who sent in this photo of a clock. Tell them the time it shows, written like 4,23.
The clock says 5,31
